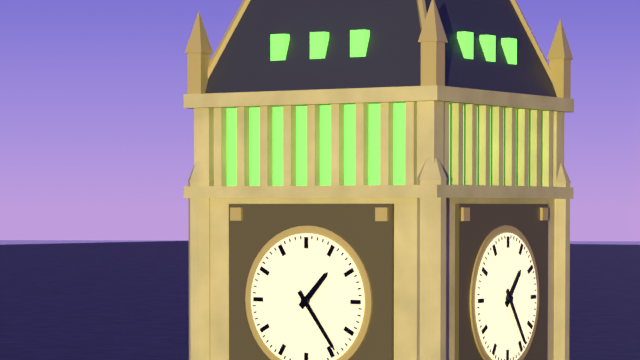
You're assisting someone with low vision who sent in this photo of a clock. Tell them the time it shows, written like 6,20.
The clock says 1,24
